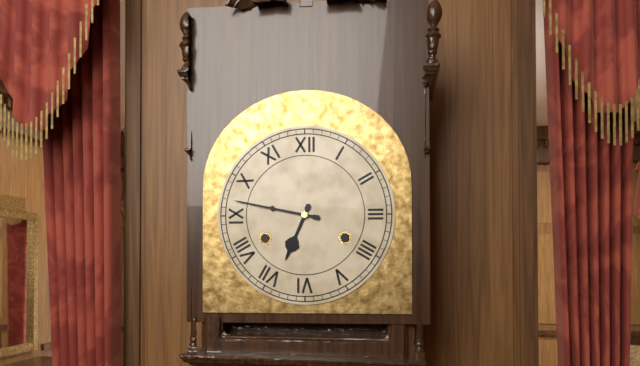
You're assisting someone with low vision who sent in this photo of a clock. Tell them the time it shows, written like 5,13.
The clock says 6,47
